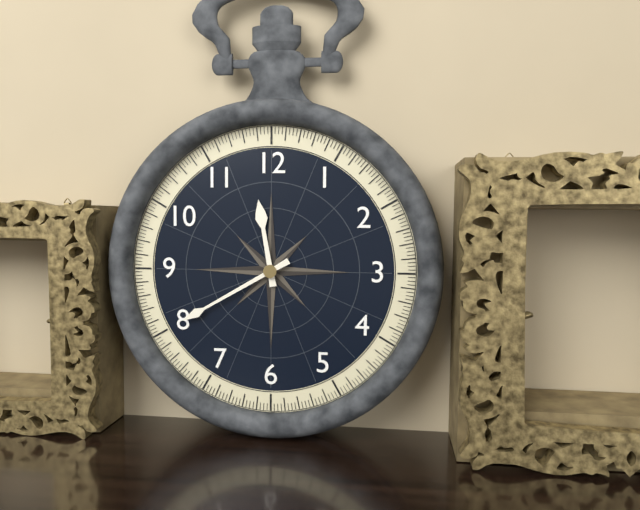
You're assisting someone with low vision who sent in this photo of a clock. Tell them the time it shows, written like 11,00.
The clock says 11,40
